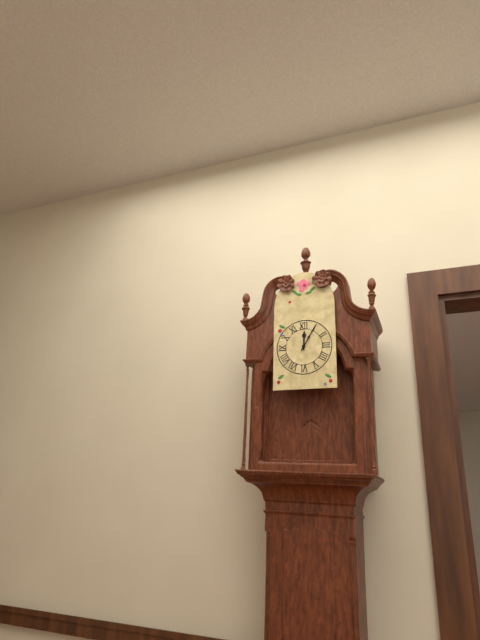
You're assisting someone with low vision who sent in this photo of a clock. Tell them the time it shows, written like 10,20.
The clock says 12,05
